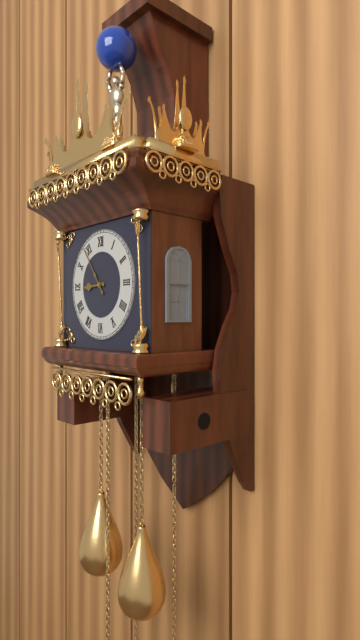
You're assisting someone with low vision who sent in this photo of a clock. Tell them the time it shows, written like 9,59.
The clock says 8,54
